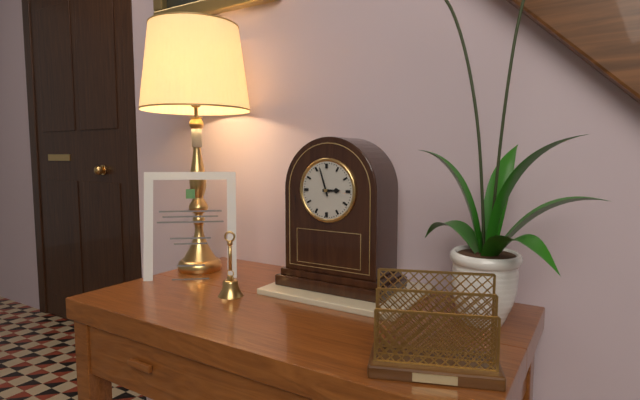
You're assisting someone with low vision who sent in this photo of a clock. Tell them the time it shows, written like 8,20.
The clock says 2,57
